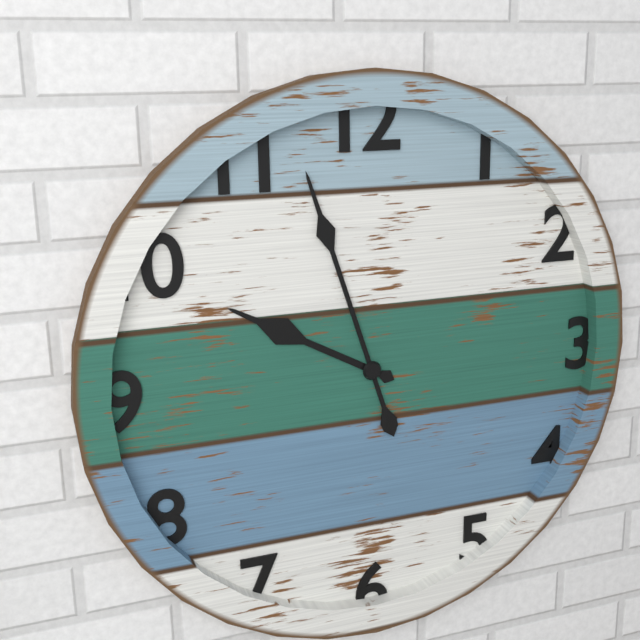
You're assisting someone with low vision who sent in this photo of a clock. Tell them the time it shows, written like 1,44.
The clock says 9,57
